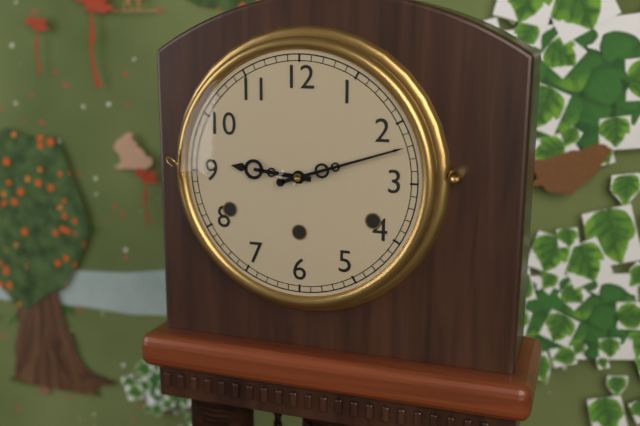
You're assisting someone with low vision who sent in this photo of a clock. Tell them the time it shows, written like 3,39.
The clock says 9,12
